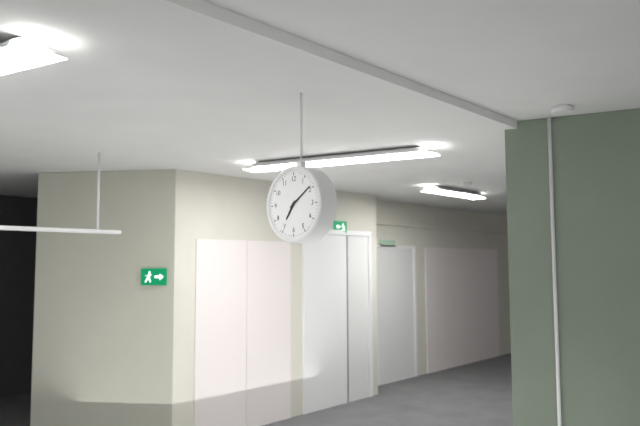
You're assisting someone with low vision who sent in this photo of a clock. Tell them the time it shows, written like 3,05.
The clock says 7,09
